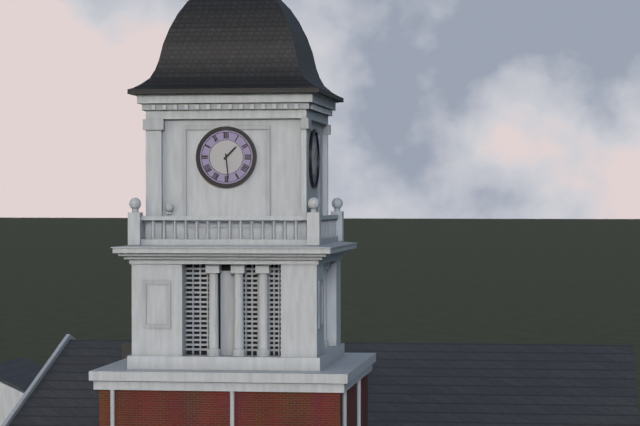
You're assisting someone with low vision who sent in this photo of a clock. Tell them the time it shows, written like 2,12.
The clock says 1,29
